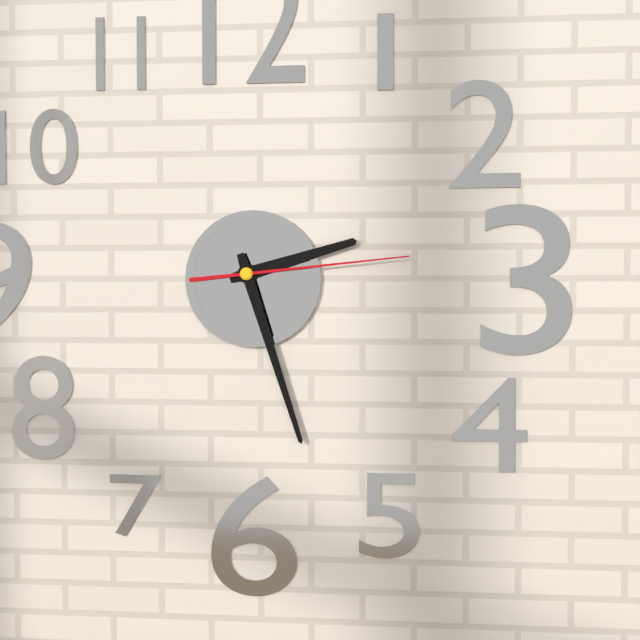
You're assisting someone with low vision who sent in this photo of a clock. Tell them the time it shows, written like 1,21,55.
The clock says 2,27,14
